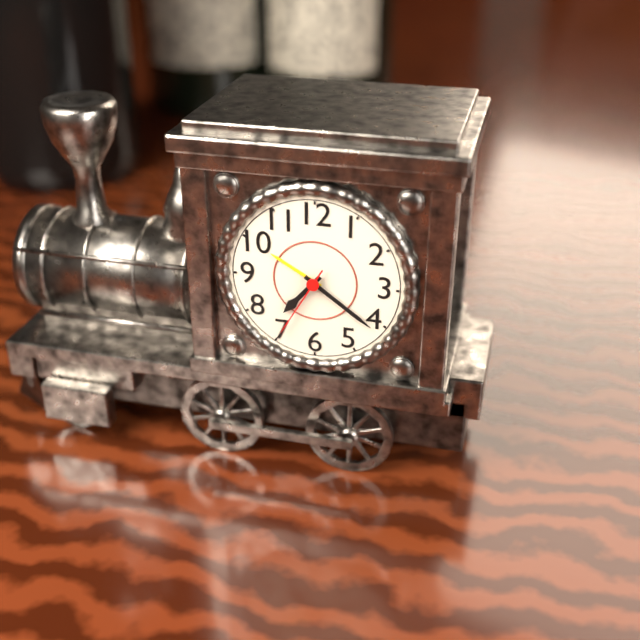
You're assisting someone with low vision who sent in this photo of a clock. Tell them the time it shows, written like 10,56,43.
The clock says 7,21,35
